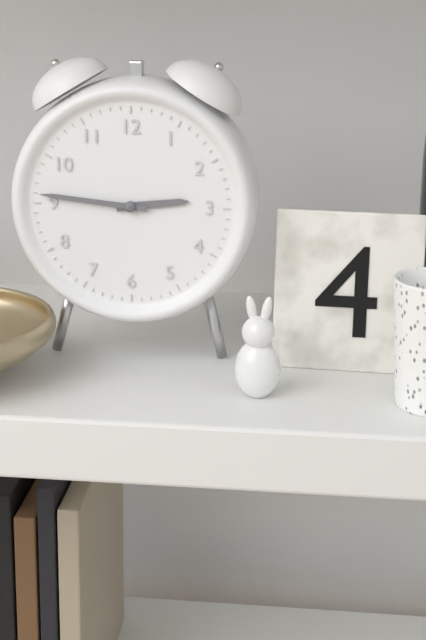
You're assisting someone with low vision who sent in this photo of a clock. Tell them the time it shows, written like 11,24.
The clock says 2,46
